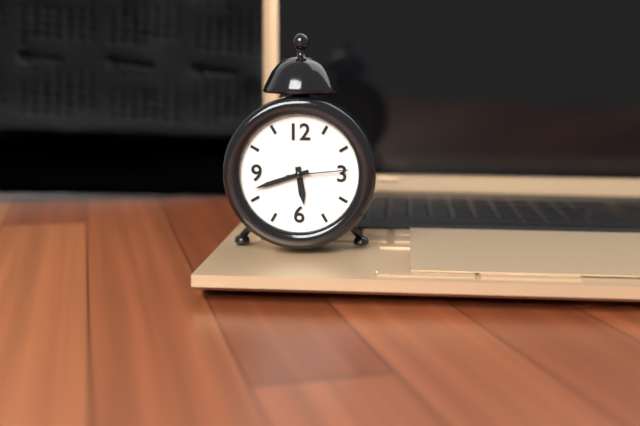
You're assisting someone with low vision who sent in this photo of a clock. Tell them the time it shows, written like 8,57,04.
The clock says 5,42,14
